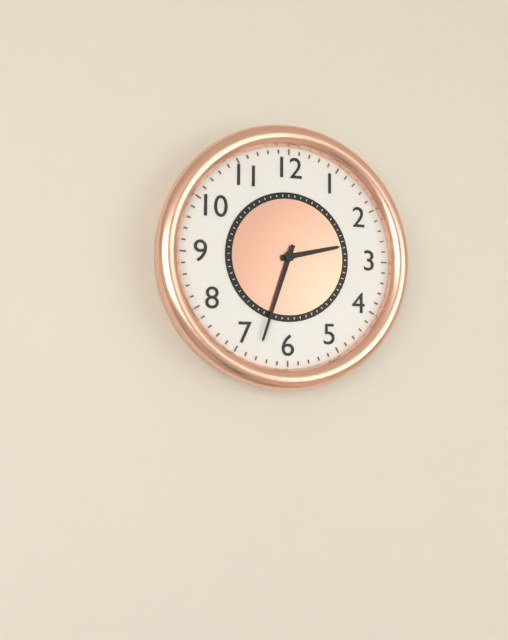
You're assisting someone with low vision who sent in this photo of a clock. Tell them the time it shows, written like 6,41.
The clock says 2,33
